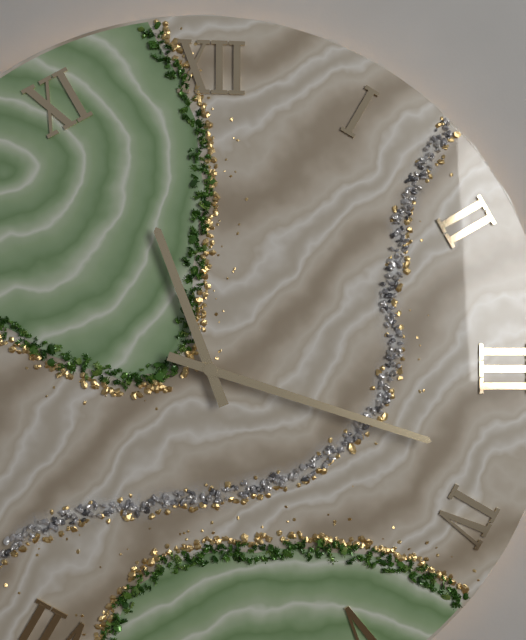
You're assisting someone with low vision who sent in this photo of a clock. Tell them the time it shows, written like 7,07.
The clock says 11,18
